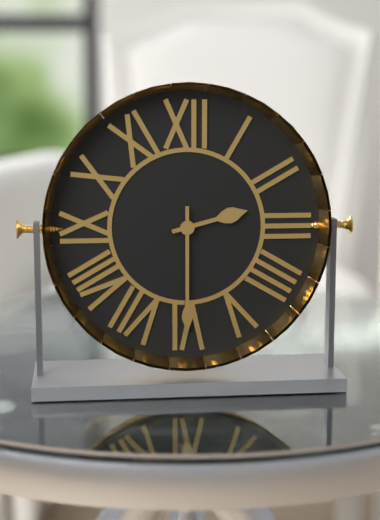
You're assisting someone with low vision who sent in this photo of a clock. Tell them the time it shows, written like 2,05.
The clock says 2,30
